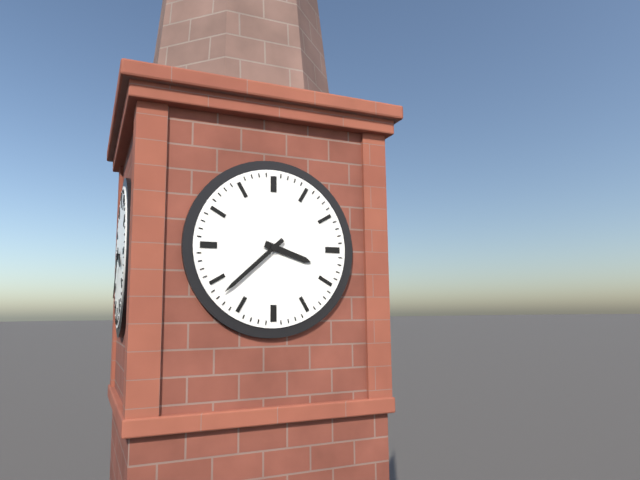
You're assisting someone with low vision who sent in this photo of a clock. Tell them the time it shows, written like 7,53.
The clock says 3,38
